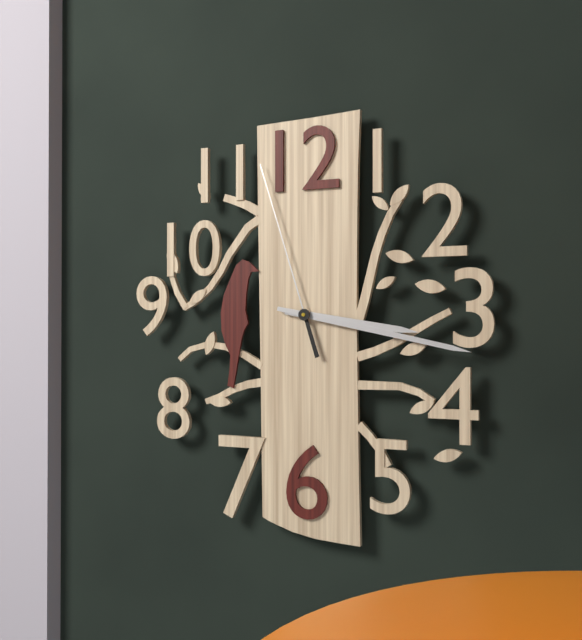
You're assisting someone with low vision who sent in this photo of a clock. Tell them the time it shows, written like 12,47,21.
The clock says 3,17,57
